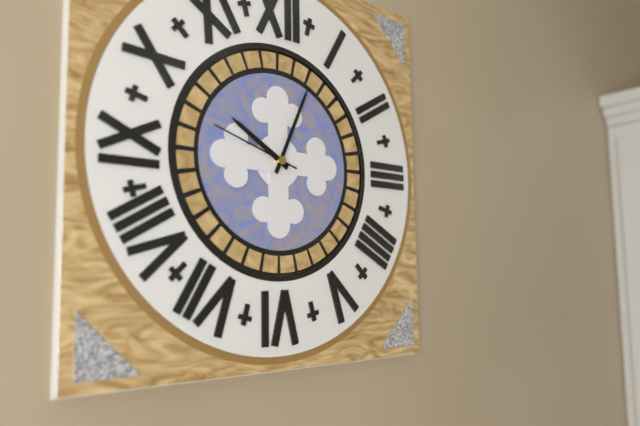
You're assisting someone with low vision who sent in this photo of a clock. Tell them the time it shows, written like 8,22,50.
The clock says 10,04,48
